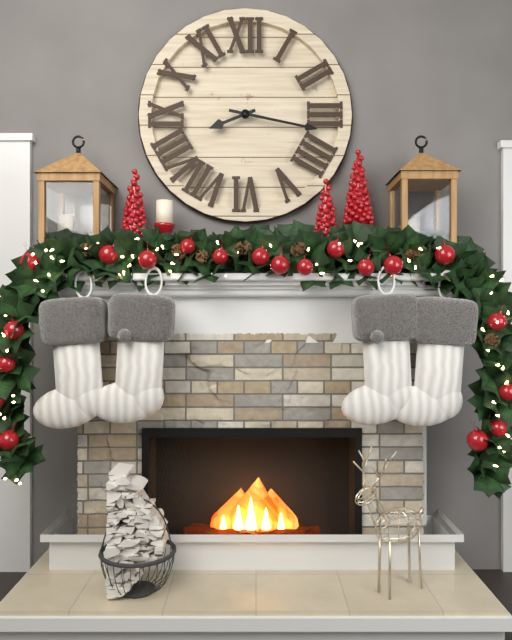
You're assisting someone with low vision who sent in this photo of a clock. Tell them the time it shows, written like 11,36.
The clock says 8,17
